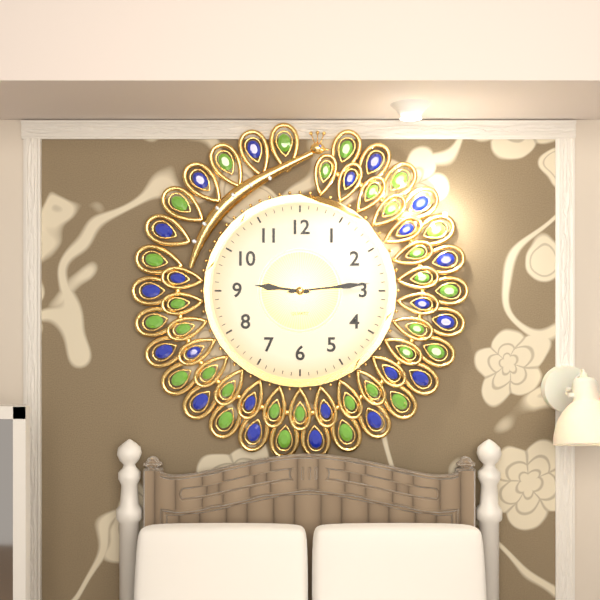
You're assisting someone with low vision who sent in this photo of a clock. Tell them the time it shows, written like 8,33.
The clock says 9,14
